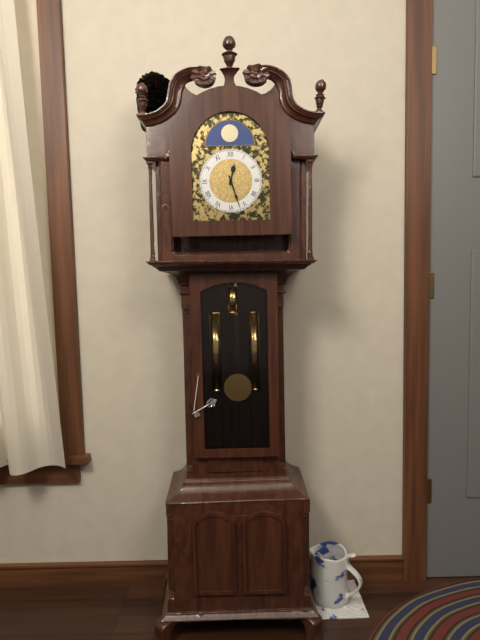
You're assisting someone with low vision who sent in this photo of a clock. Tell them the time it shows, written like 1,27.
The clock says 12,27
